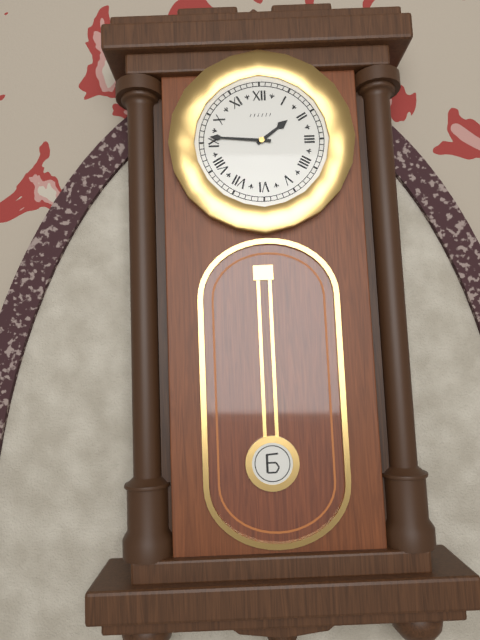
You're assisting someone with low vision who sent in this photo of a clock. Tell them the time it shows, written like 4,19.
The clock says 1,46
